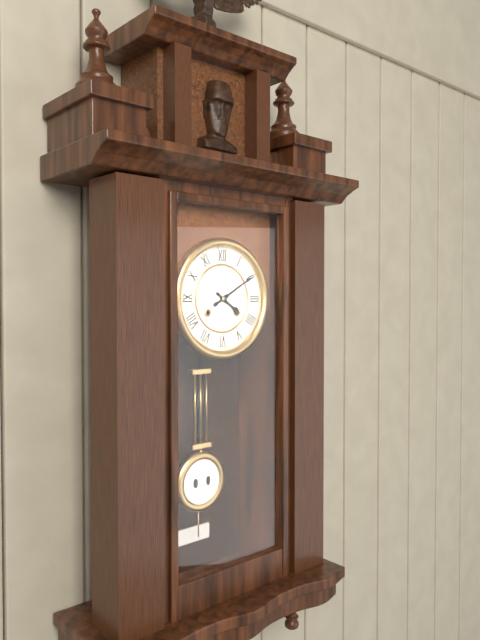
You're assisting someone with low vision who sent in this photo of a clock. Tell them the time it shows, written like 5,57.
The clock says 4,10
